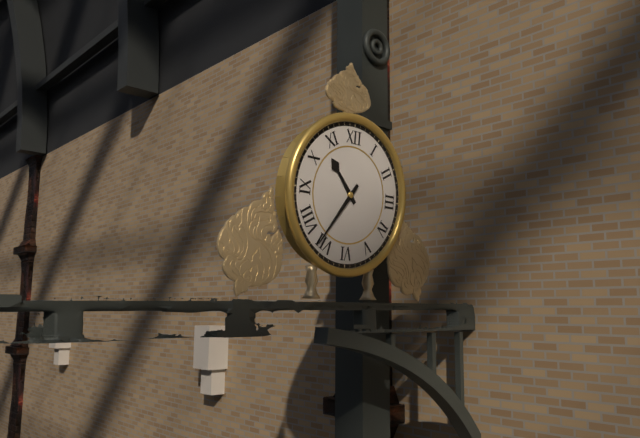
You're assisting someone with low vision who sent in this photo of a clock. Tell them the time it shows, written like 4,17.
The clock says 10,36
